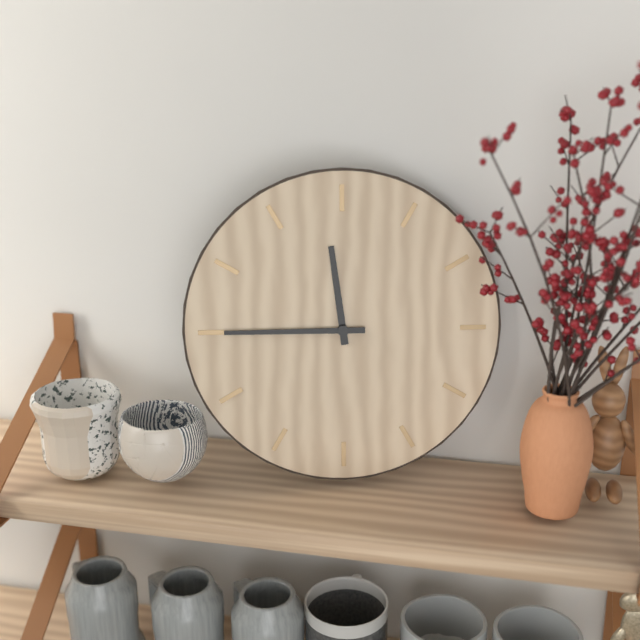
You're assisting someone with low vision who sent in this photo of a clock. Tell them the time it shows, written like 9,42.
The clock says 11,45
